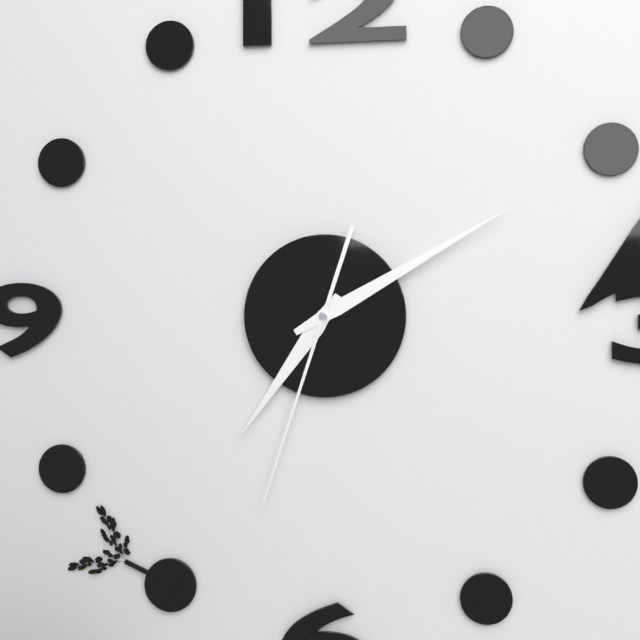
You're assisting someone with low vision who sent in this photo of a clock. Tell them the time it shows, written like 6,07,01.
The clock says 7,10,33
